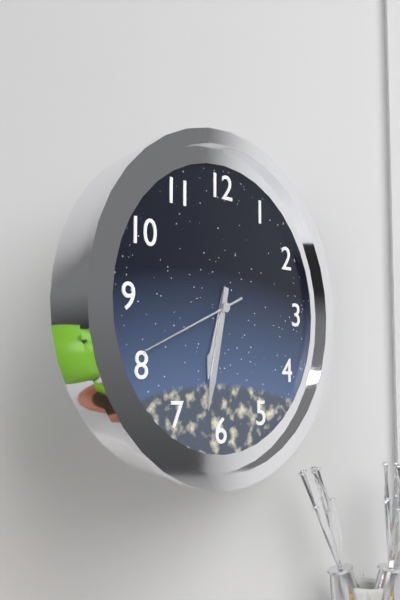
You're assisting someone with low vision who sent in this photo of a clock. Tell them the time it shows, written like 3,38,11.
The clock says 6,32,41
